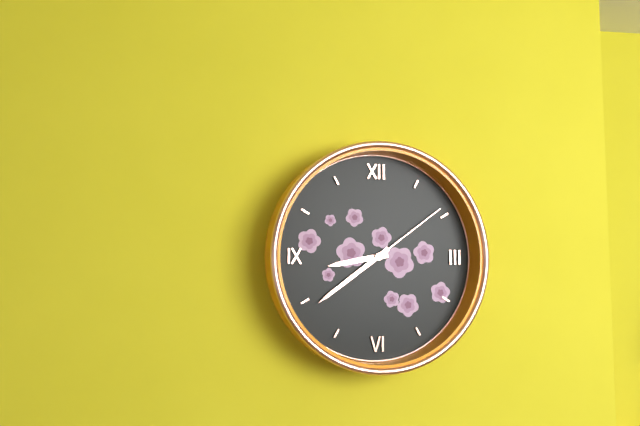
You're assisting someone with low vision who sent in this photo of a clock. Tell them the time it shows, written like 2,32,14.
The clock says 8,39,09
